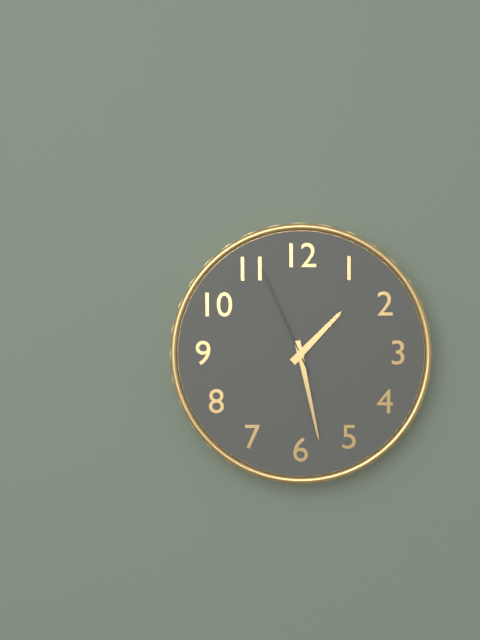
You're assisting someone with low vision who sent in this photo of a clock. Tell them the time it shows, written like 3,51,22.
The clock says 1,28,56
